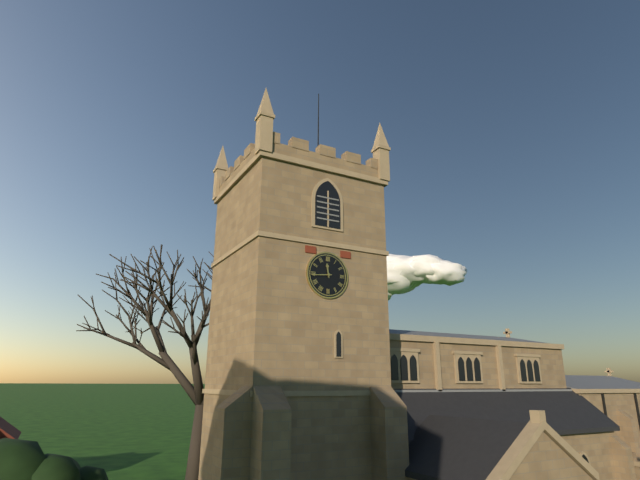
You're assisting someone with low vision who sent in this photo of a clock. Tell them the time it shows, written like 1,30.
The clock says 11,44
